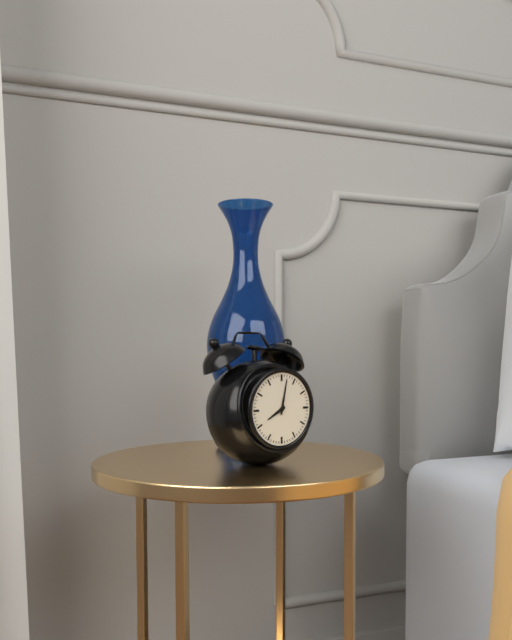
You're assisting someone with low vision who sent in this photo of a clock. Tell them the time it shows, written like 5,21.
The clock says 8,02
